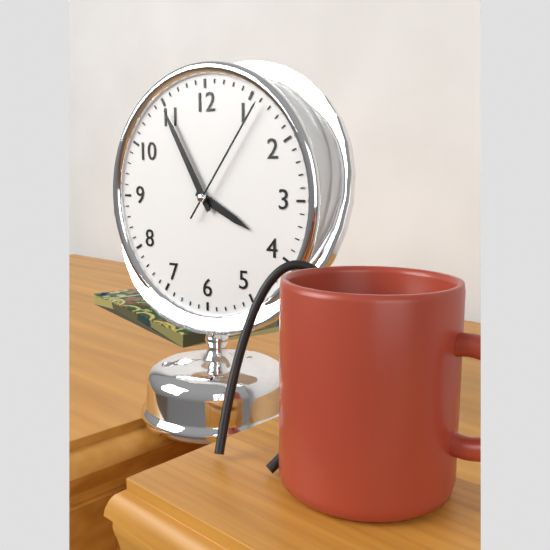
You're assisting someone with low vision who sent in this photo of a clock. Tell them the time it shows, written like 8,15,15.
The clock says 3,55,06
